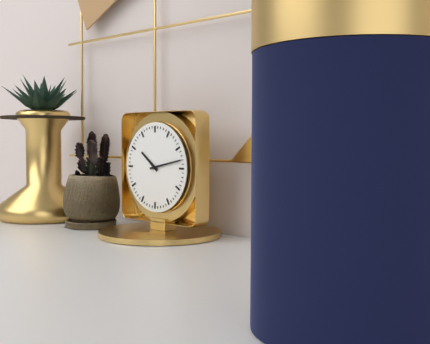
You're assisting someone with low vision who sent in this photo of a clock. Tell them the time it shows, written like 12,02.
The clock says 10,13
